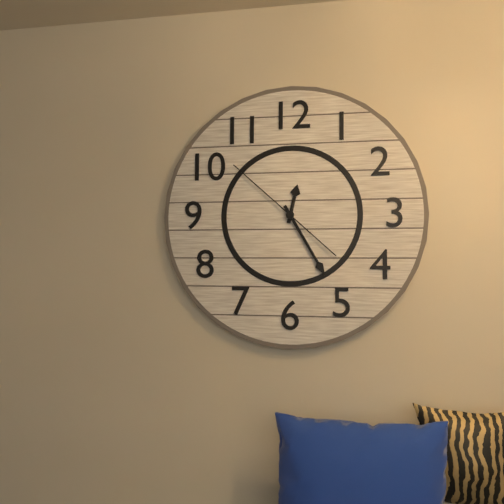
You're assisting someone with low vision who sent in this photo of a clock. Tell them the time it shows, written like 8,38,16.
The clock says 12,25,52
